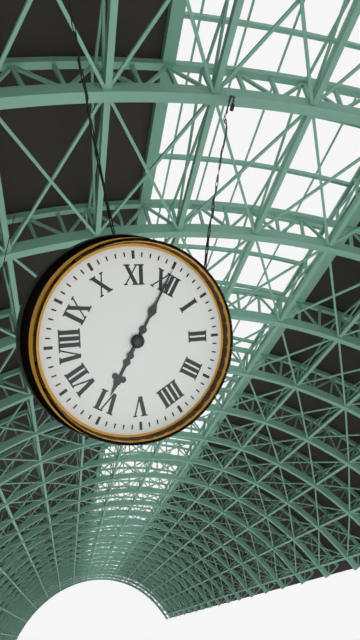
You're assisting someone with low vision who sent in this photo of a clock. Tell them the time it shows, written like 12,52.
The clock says 6,00
